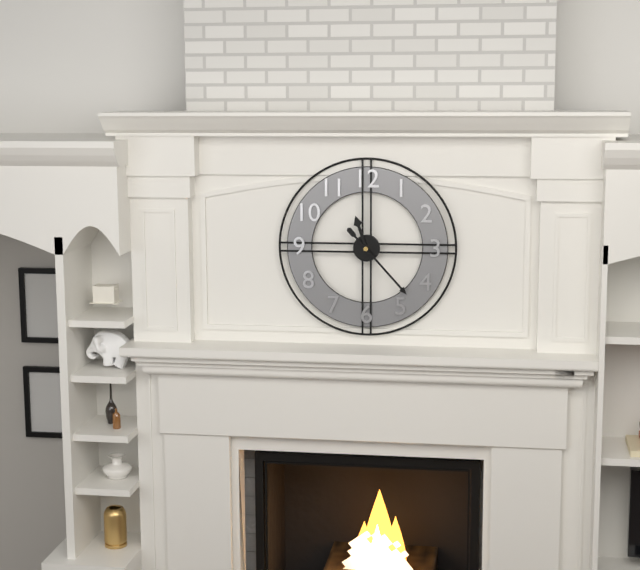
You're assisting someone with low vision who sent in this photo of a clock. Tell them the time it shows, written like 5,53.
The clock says 11,23
